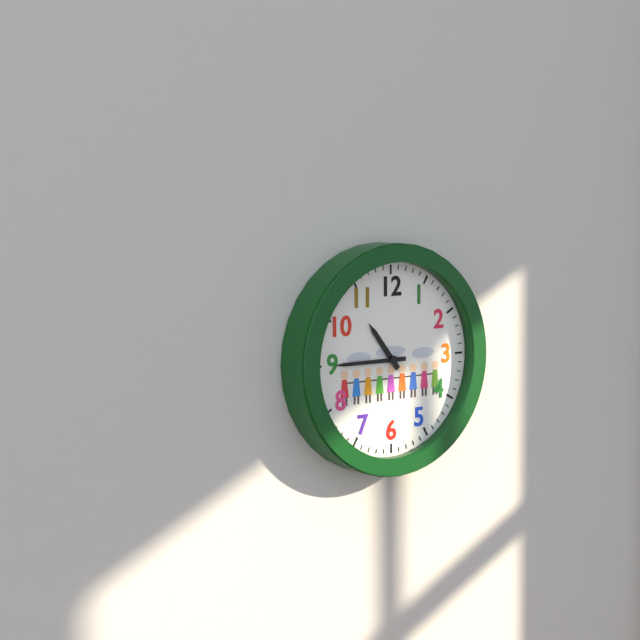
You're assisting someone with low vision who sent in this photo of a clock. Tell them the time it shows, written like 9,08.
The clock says 10,45
